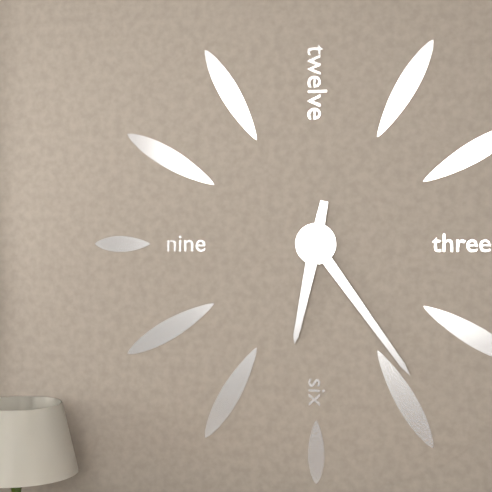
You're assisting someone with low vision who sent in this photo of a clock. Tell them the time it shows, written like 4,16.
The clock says 6,24
